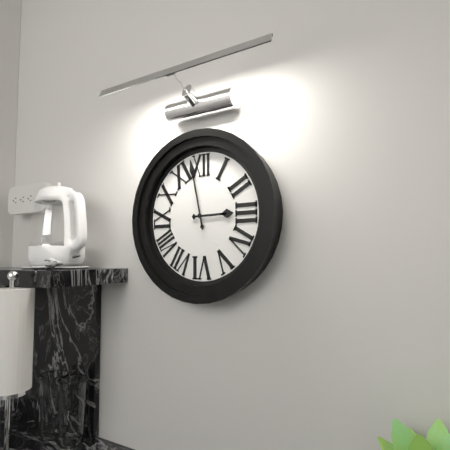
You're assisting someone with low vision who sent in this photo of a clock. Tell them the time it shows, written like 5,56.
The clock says 2,58
